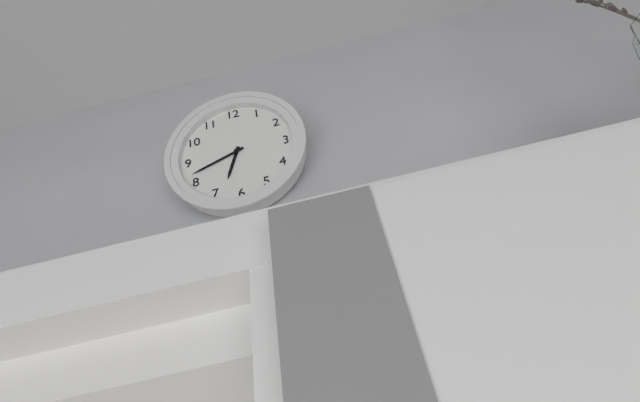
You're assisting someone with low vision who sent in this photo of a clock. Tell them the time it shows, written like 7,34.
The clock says 6,42
